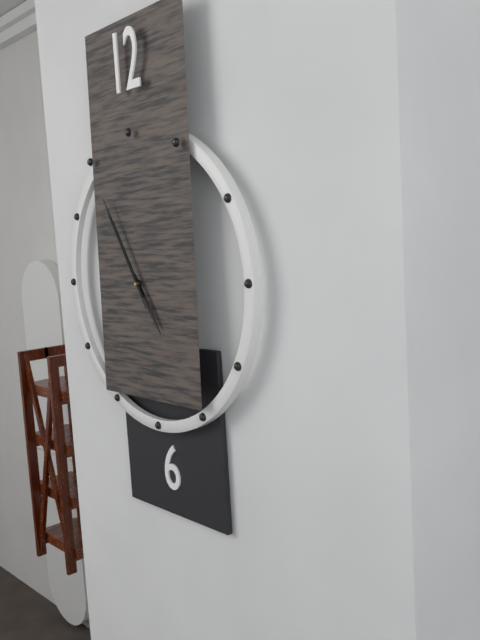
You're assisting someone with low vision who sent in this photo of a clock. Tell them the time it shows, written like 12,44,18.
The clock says 4,55,55
